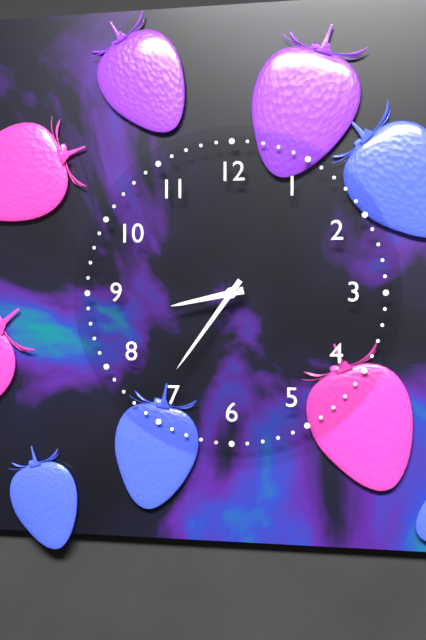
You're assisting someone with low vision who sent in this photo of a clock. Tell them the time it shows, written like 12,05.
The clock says 8,36
